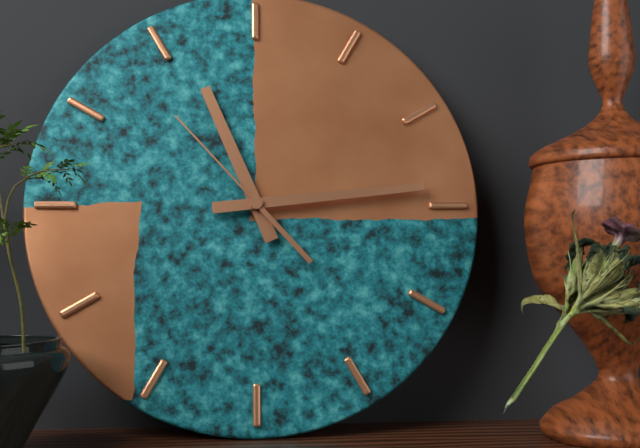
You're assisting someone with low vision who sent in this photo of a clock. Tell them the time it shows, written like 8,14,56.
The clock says 11,14,53
